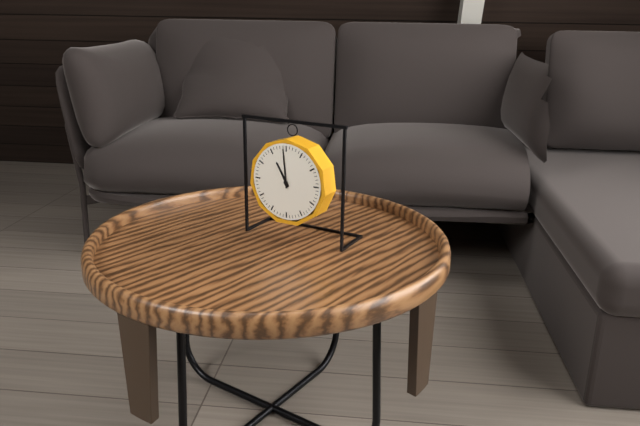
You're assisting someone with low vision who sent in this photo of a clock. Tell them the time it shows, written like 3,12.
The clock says 10,59
